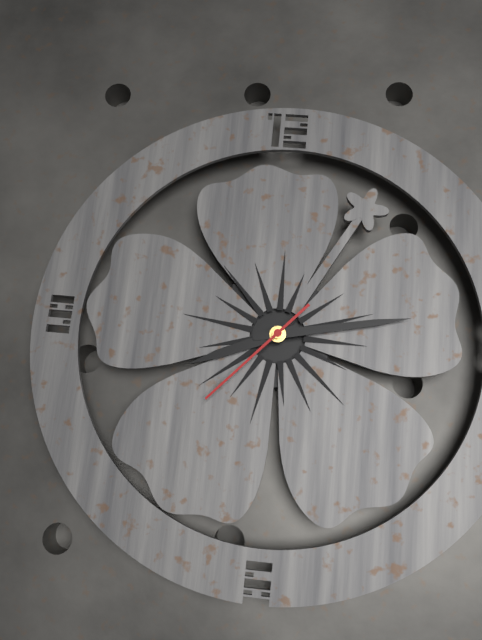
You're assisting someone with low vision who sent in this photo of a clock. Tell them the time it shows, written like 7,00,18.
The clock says 8,13,37
